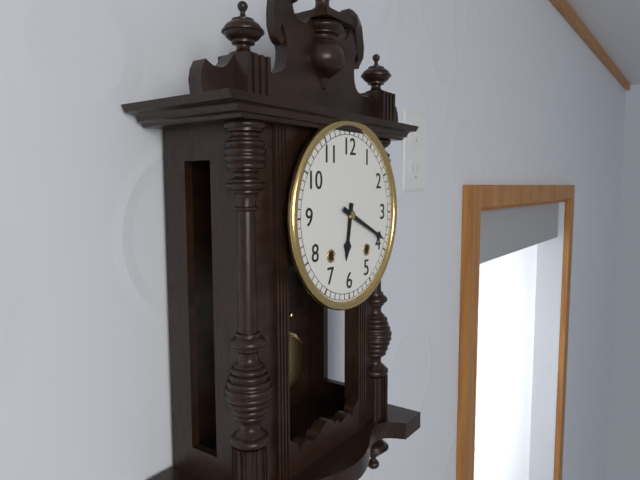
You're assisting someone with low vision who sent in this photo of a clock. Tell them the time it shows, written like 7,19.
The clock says 6,19
